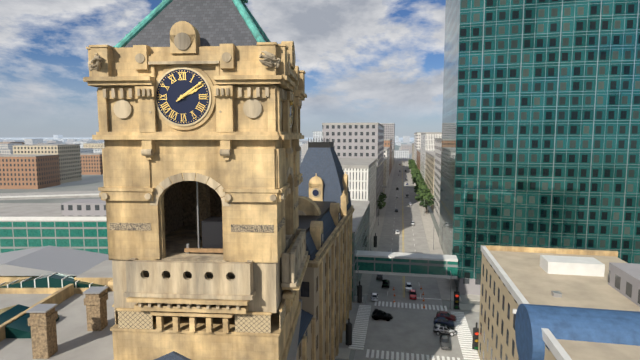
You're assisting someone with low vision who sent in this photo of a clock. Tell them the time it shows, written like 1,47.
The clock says 2,09
